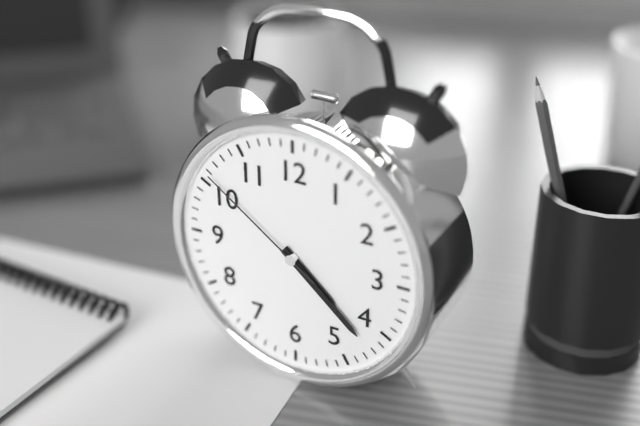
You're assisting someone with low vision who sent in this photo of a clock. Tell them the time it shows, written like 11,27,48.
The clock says 4,22,51
